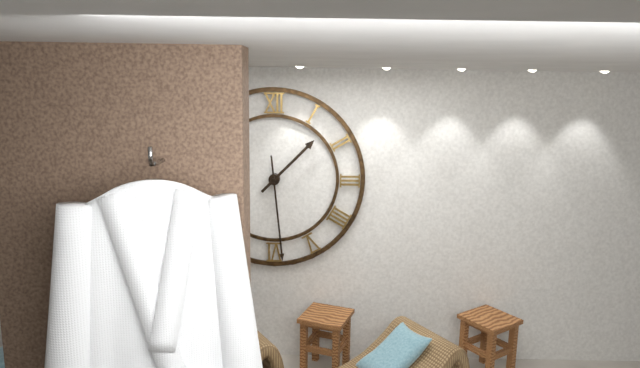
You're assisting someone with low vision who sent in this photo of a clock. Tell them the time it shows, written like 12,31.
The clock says 1,29
